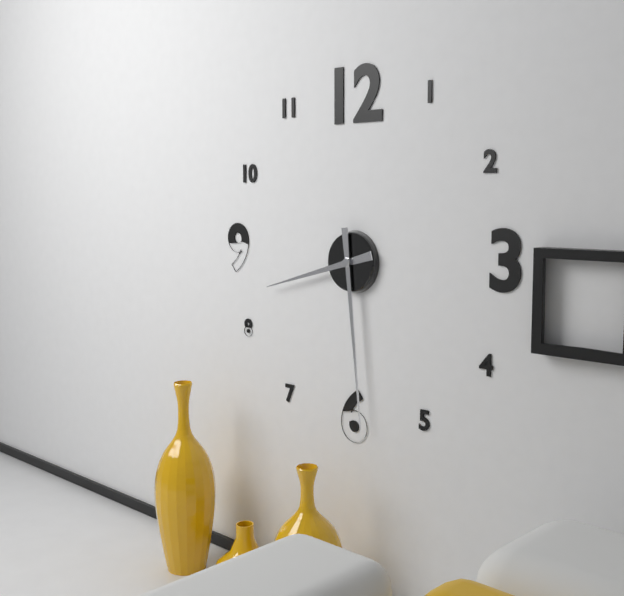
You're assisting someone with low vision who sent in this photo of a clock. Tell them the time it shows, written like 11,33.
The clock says 8,29
